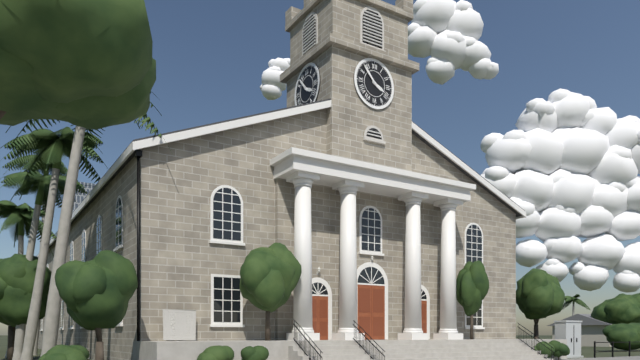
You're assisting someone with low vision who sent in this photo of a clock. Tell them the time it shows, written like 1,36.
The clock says 3,53
